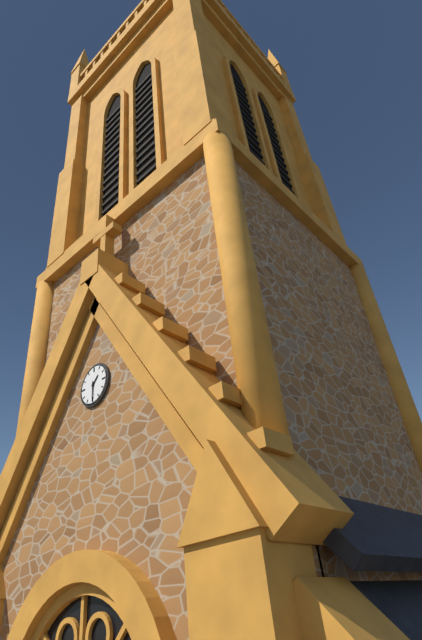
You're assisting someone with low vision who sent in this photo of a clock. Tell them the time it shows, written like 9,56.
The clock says 1,30
